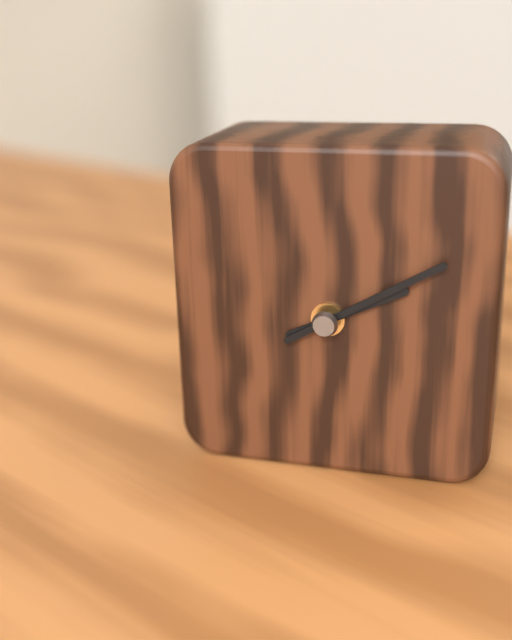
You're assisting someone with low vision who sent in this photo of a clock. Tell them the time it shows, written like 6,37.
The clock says 2,10
